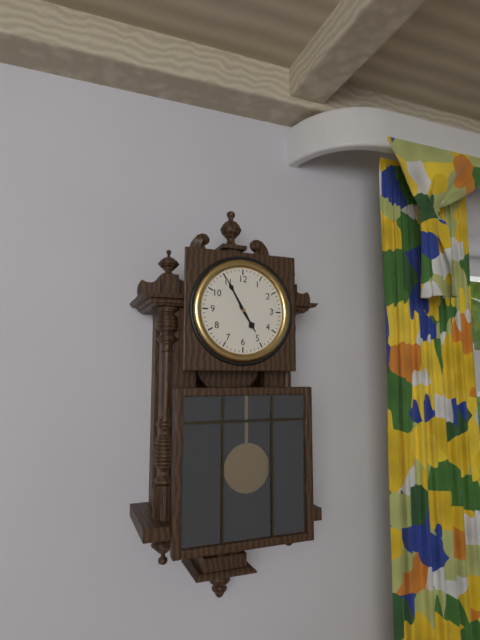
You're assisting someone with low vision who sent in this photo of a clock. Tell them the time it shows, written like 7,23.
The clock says 4,55
